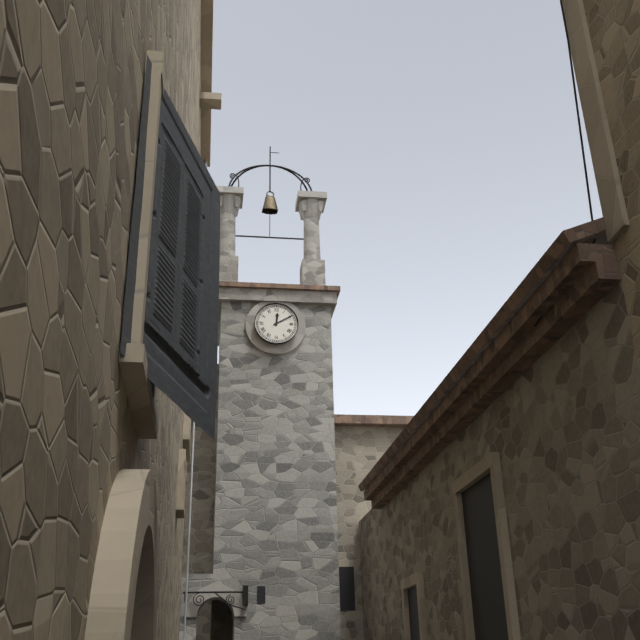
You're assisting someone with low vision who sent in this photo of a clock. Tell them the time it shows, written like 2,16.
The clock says 12,10
